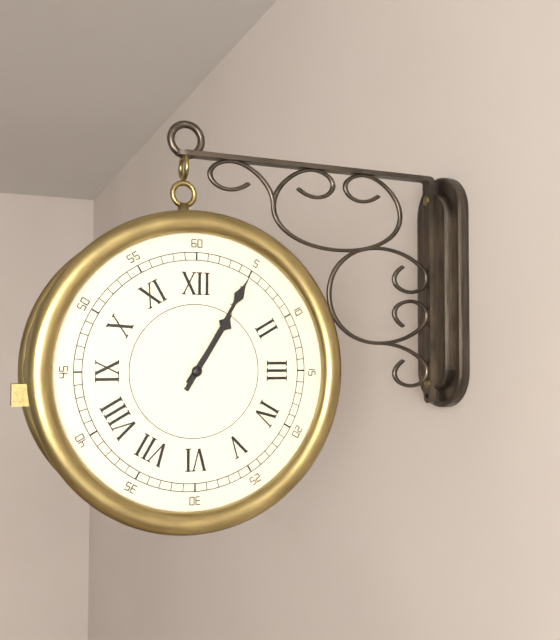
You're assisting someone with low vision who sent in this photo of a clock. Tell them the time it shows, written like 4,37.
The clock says 1,05
